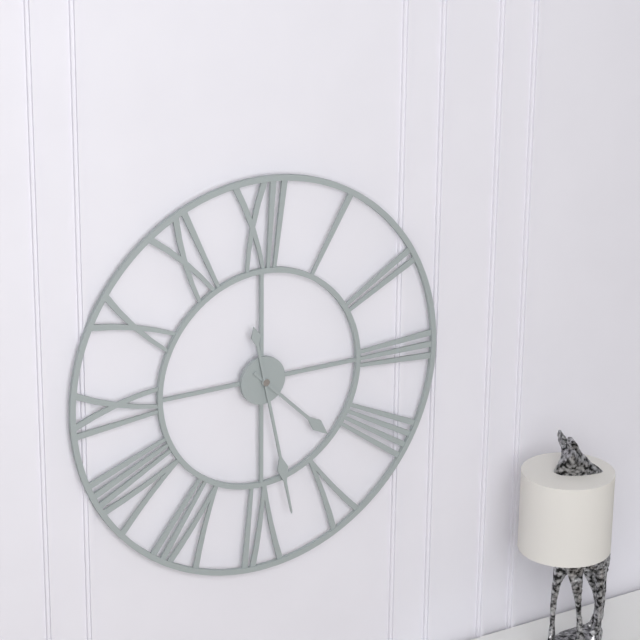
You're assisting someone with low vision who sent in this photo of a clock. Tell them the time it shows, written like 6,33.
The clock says 4,28
